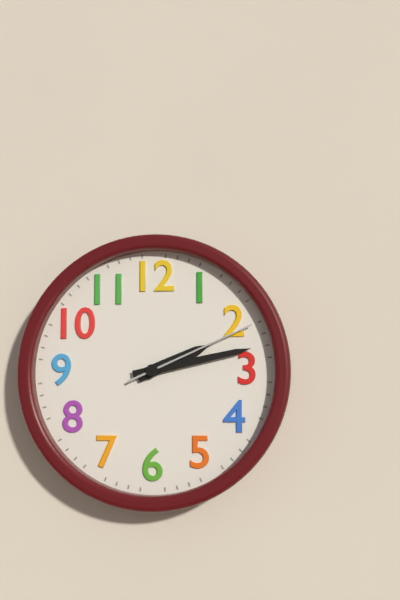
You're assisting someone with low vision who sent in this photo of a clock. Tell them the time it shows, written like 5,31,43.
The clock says 2,13,11
